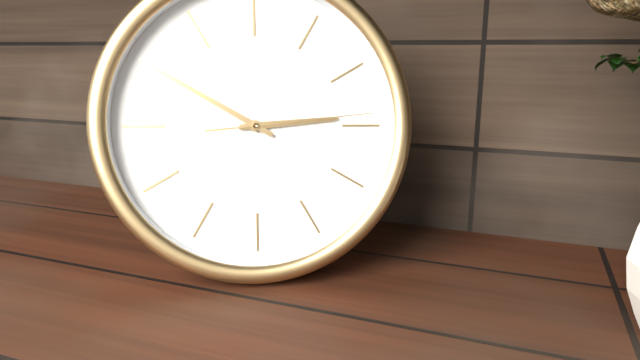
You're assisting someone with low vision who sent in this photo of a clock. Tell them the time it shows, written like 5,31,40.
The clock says 2,50,14
